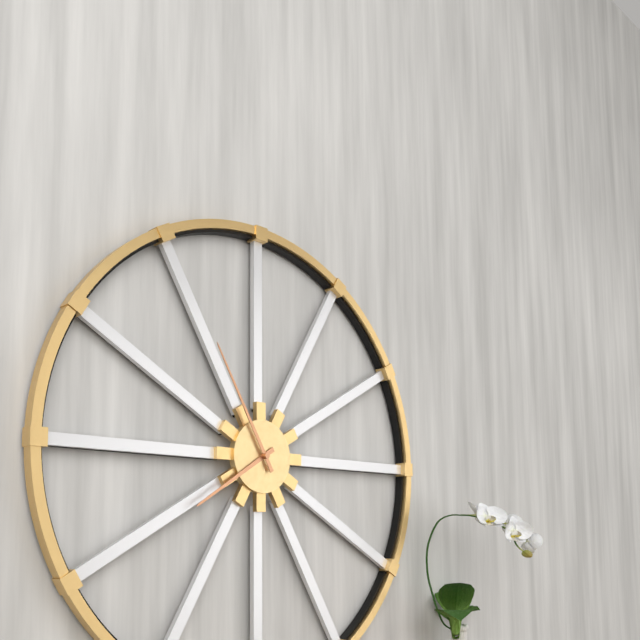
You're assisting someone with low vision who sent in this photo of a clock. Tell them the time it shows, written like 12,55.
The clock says 7,55
